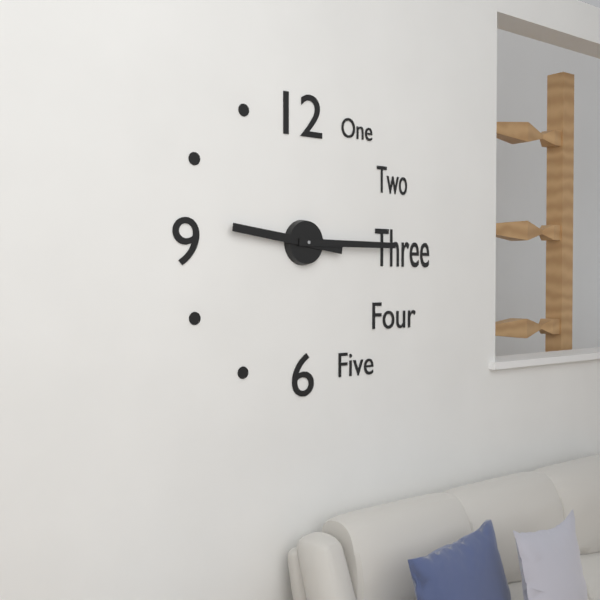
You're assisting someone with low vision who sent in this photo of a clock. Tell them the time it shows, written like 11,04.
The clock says 9,15
